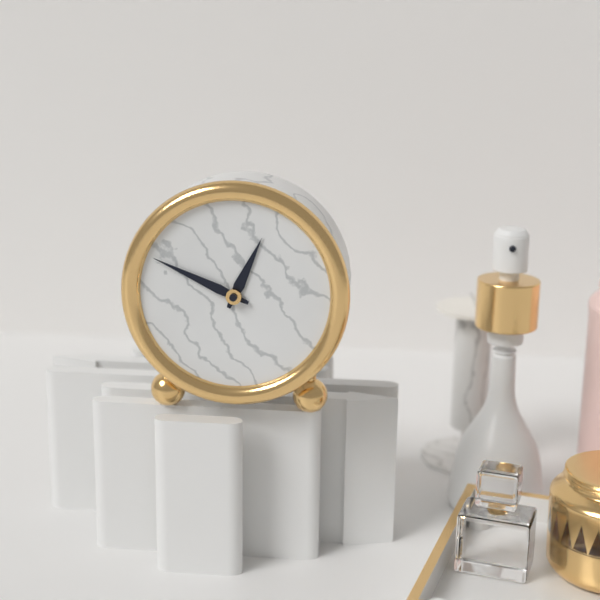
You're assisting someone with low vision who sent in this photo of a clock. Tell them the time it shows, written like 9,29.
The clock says 12,49
